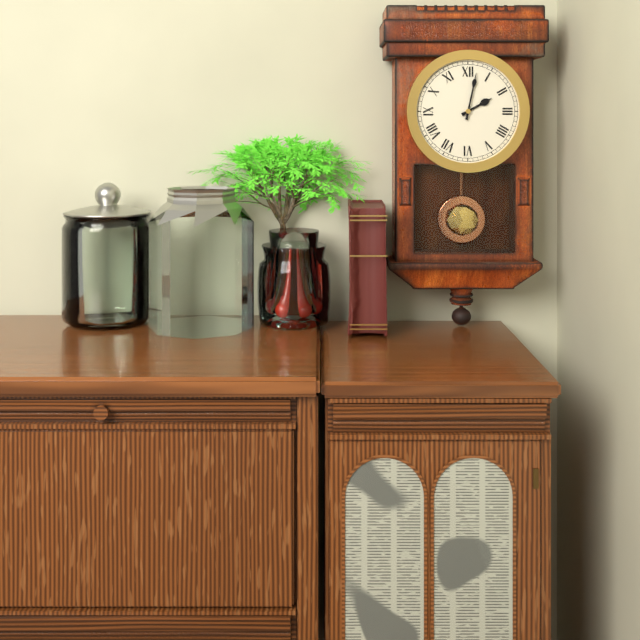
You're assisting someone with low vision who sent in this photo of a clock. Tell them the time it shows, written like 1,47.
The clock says 2,02
